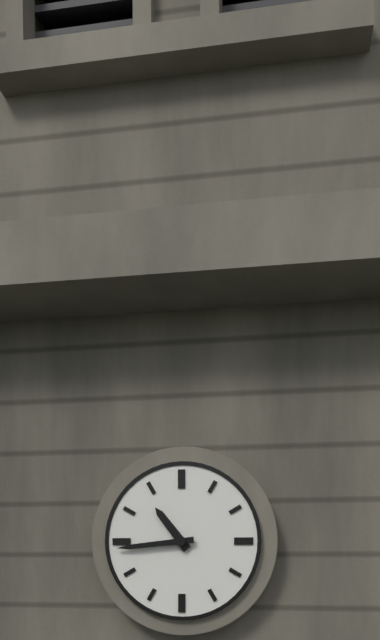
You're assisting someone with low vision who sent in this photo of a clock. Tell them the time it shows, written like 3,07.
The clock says 10,44
